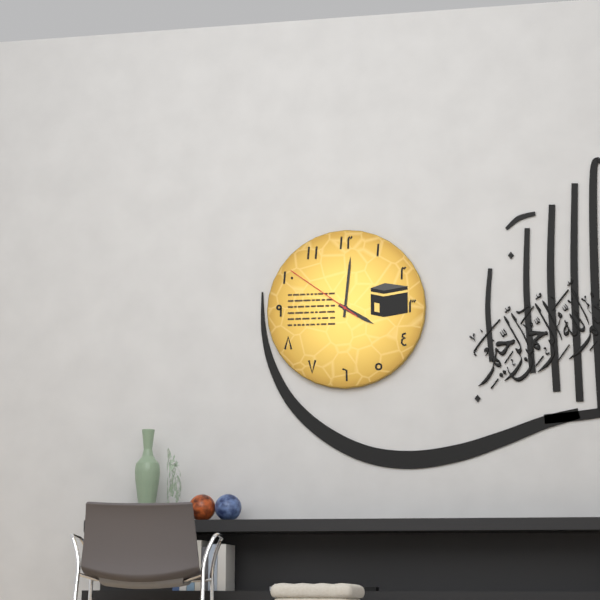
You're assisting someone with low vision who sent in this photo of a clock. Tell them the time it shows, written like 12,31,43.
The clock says 4,01,51
